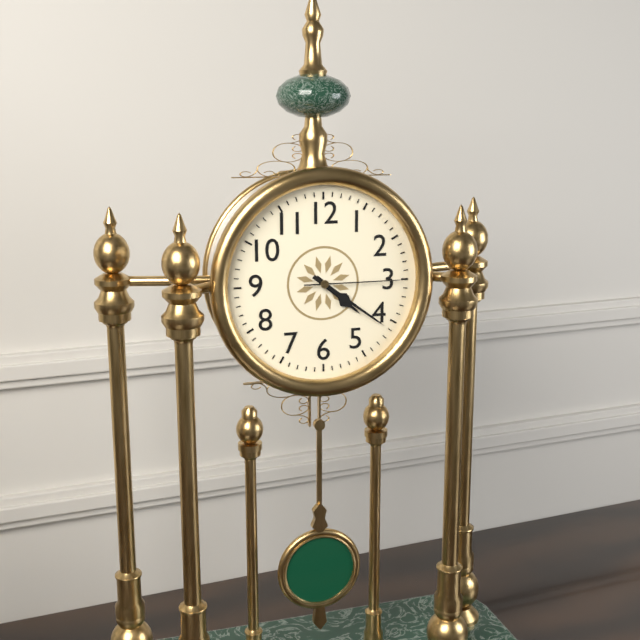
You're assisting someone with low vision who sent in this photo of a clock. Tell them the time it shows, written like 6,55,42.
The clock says 4,21,15
